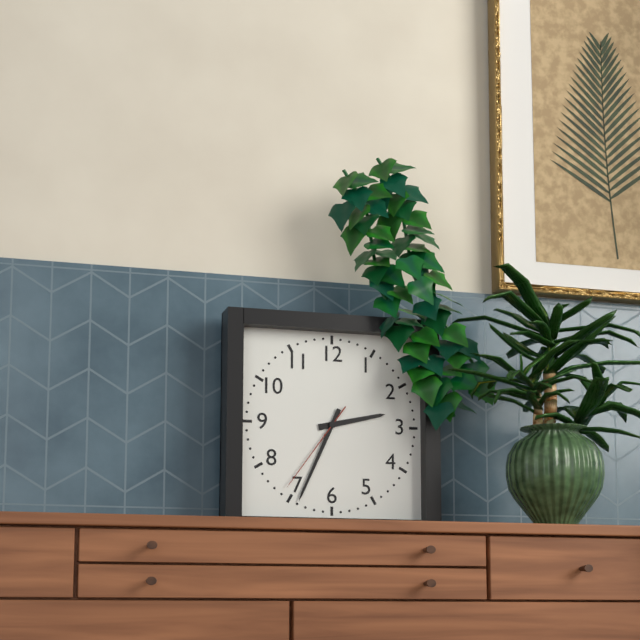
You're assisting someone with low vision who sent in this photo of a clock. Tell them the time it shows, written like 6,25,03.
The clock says 2,34,36
